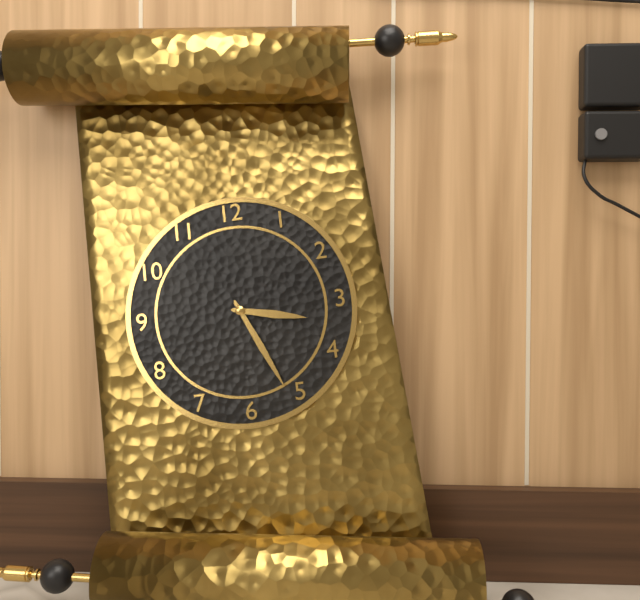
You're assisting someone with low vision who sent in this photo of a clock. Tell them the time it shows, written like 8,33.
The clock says 3,26
